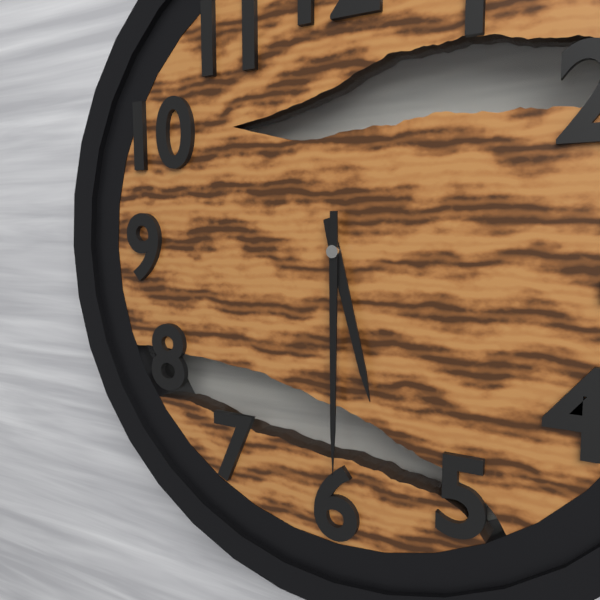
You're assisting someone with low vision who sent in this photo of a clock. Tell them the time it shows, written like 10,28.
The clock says 5,30
